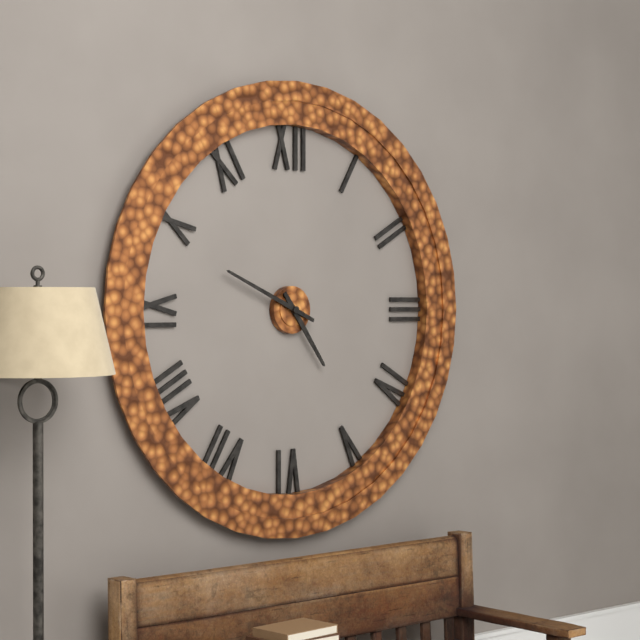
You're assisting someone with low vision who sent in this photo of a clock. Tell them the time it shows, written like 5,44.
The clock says 4,49
